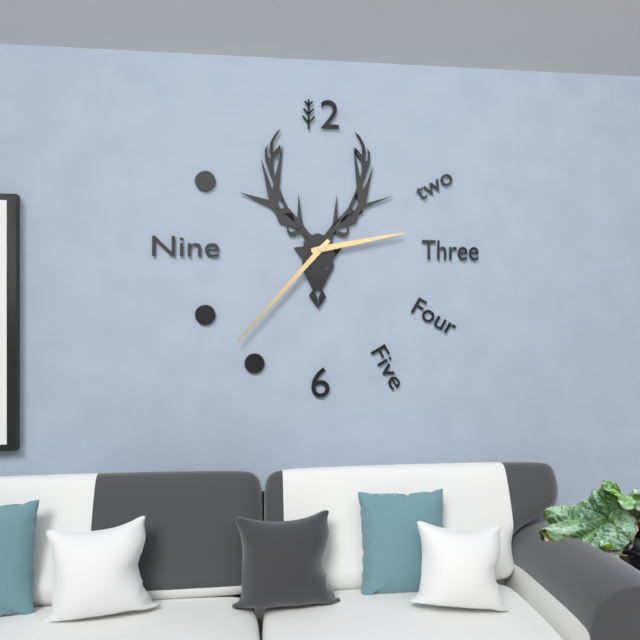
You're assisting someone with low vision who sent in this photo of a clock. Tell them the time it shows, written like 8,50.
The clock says 2,37
